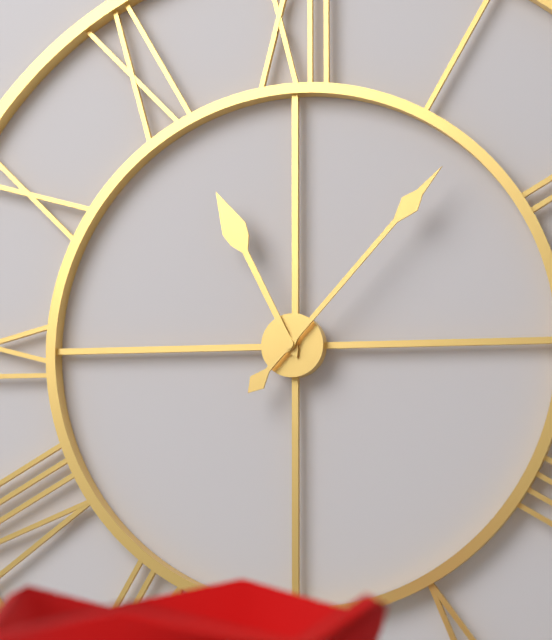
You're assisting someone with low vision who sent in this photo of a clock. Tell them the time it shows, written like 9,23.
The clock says 11,07
